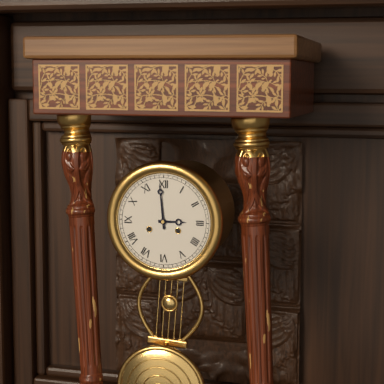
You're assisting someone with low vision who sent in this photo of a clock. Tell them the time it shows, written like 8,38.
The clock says 2,59
